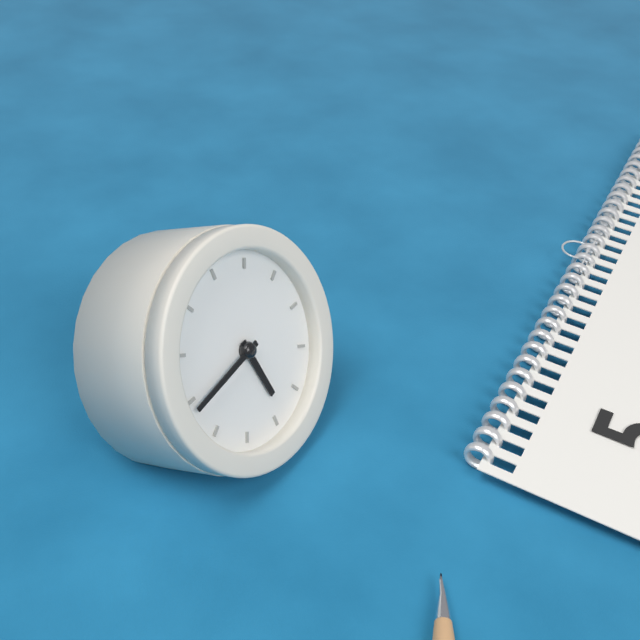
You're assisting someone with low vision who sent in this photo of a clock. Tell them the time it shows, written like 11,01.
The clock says 5,44
